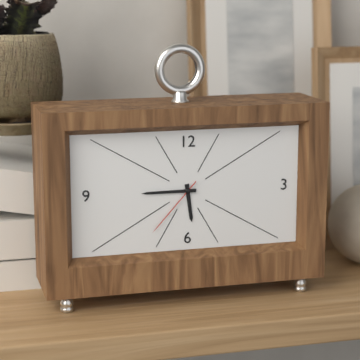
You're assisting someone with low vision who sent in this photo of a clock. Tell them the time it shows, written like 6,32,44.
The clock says 5,45,37
